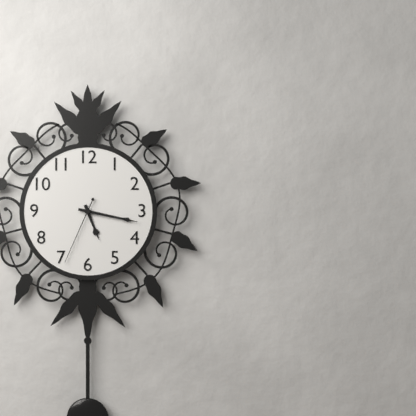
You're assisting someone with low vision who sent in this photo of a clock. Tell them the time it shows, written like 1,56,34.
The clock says 5,17,34
